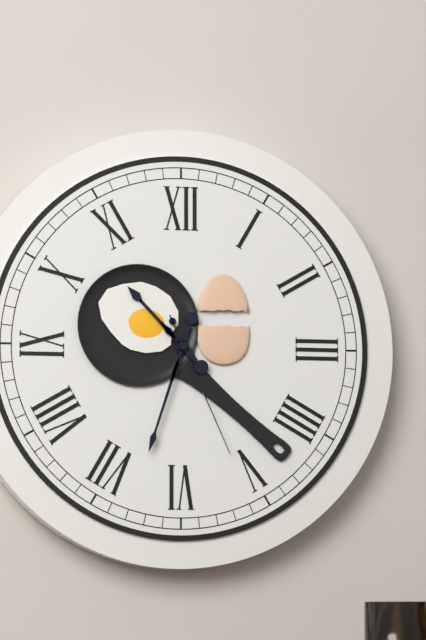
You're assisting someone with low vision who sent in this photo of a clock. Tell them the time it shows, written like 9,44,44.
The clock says 10,33,26
